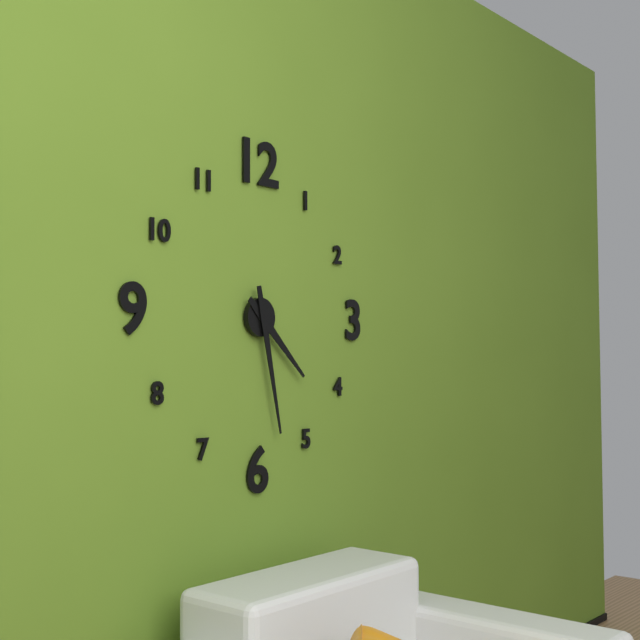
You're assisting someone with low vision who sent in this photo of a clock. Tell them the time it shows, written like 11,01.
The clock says 4,28
